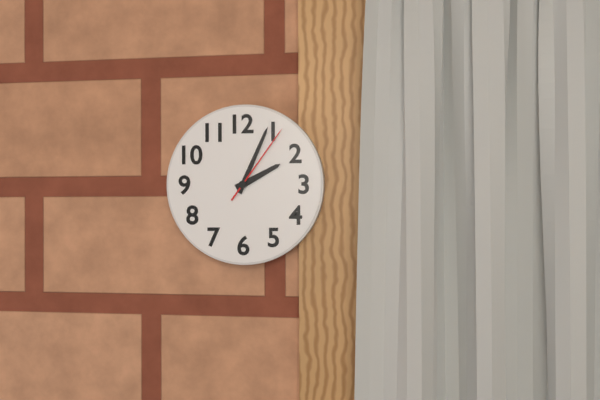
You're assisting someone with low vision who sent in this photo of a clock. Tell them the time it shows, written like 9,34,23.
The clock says 2,04,06
